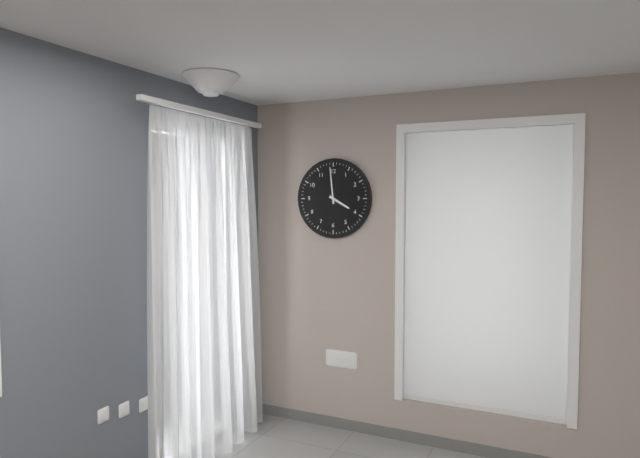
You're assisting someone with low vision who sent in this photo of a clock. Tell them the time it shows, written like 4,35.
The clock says 3,59
